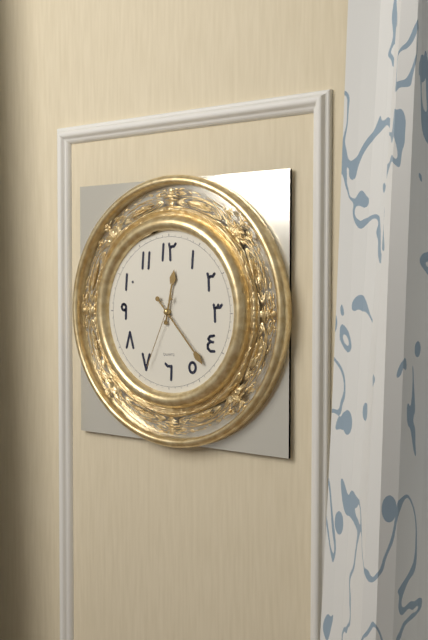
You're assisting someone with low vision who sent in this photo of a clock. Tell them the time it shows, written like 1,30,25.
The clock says 12,23,34
